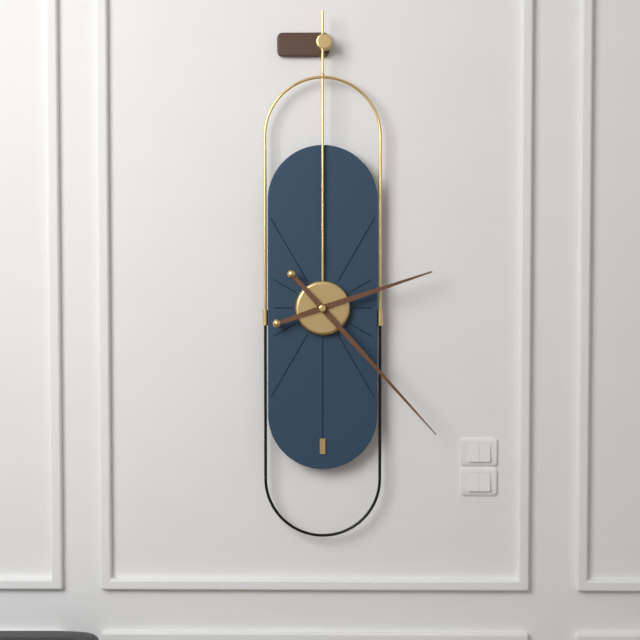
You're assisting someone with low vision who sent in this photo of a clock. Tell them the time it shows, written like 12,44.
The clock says 2,23
